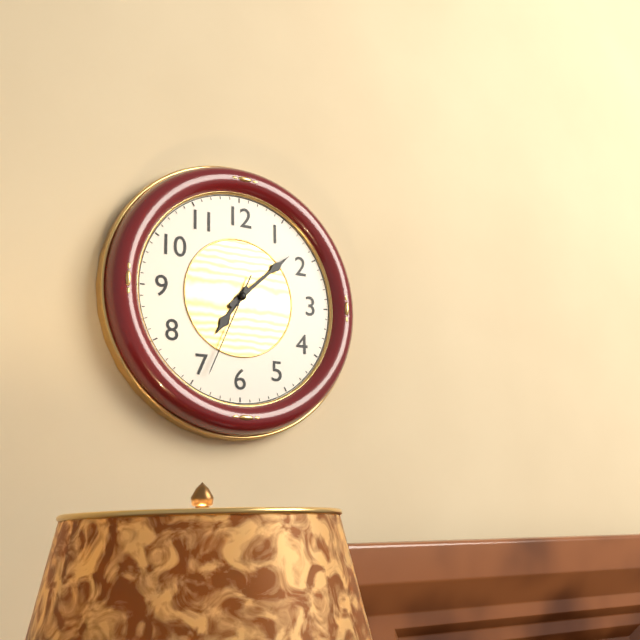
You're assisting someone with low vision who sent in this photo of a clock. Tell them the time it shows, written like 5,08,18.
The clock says 7,08,34
